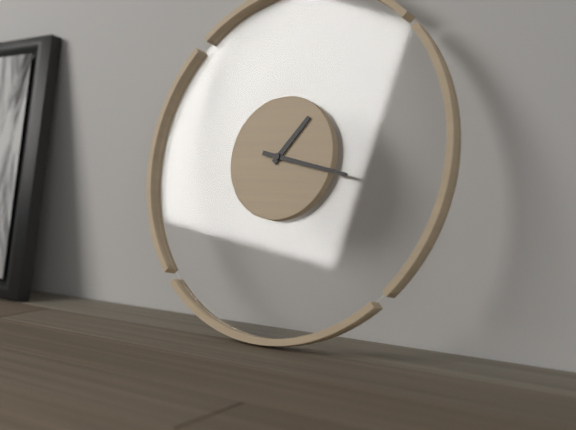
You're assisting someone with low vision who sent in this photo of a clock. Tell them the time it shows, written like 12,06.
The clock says 1,17
